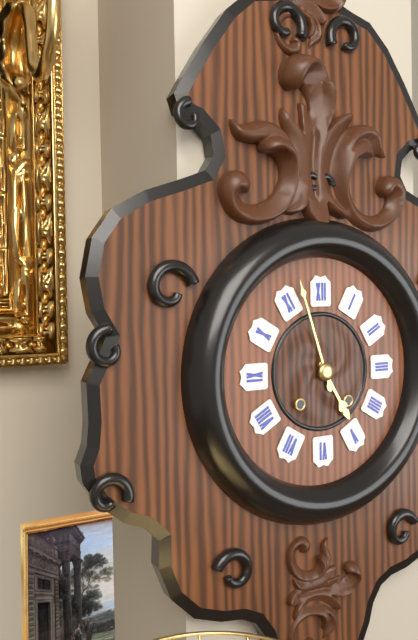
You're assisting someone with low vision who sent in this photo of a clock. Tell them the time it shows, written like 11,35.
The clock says 4,57
